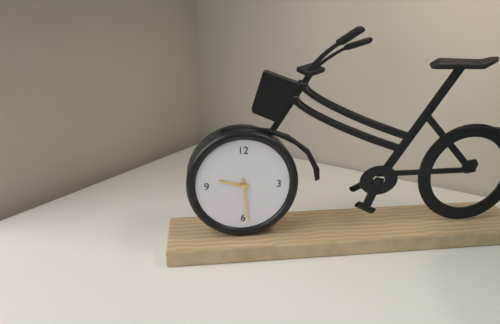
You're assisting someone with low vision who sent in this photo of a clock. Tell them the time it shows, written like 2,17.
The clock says 9,29
